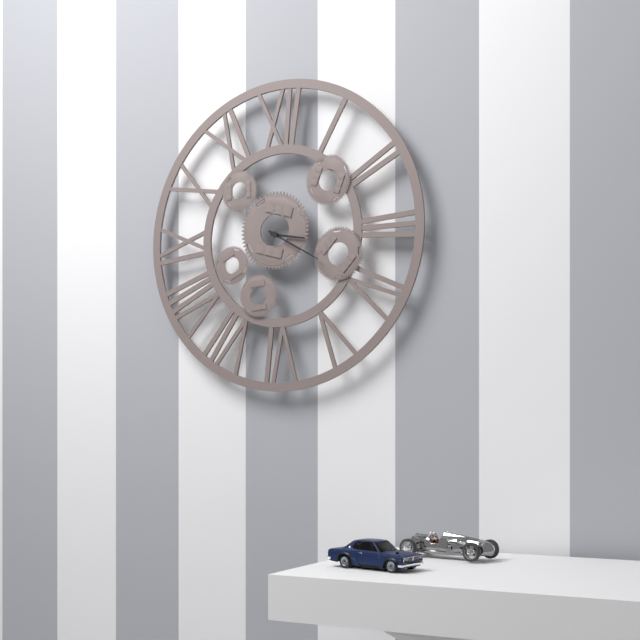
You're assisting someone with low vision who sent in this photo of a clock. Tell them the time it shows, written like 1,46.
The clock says 3,20
